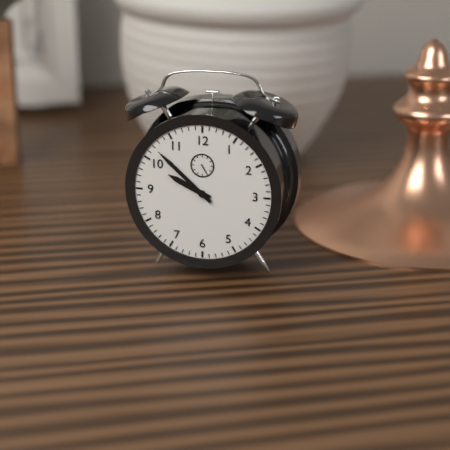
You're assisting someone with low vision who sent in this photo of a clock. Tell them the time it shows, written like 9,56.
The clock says 9,52
